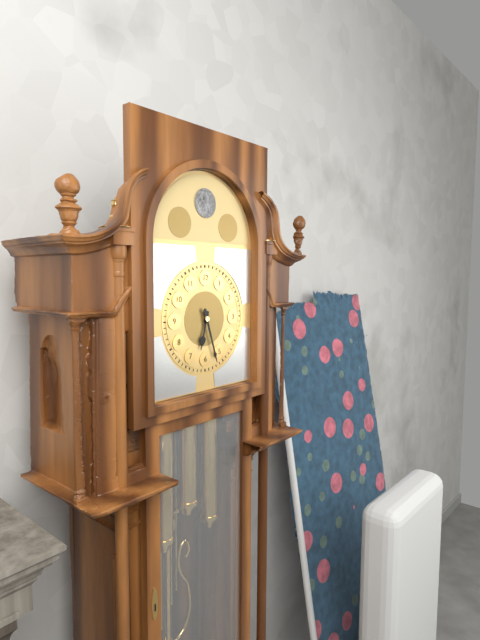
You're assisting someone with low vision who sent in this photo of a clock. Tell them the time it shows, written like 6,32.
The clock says 6,27
